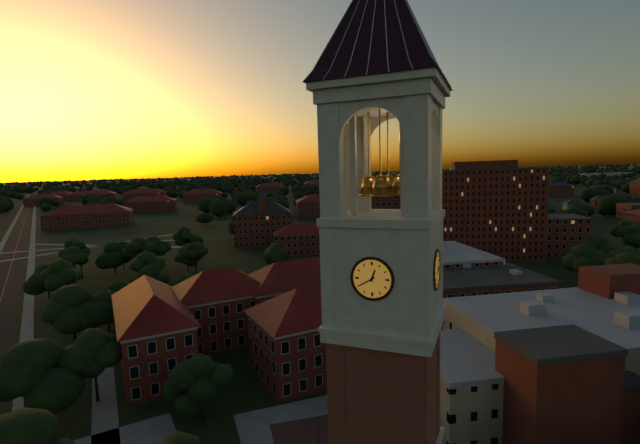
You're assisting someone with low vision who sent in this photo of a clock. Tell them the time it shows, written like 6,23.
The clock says 12,40
